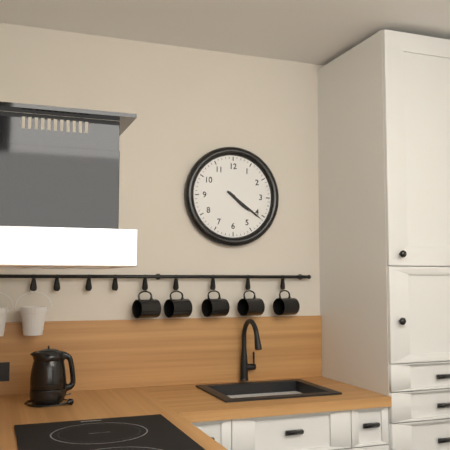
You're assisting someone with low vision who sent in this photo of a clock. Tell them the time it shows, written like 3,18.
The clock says 4,21
